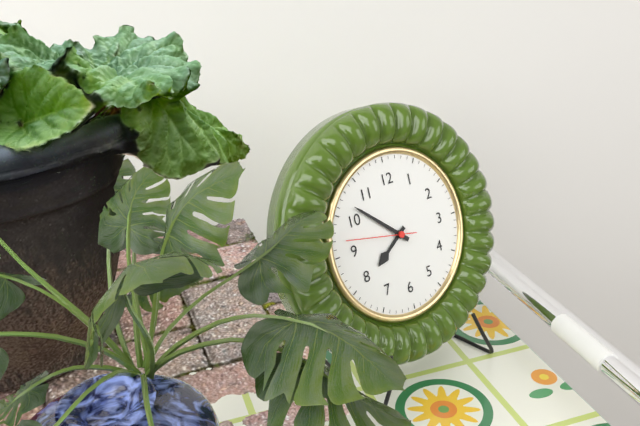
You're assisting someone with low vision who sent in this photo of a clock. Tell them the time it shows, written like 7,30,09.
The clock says 7,52,47
